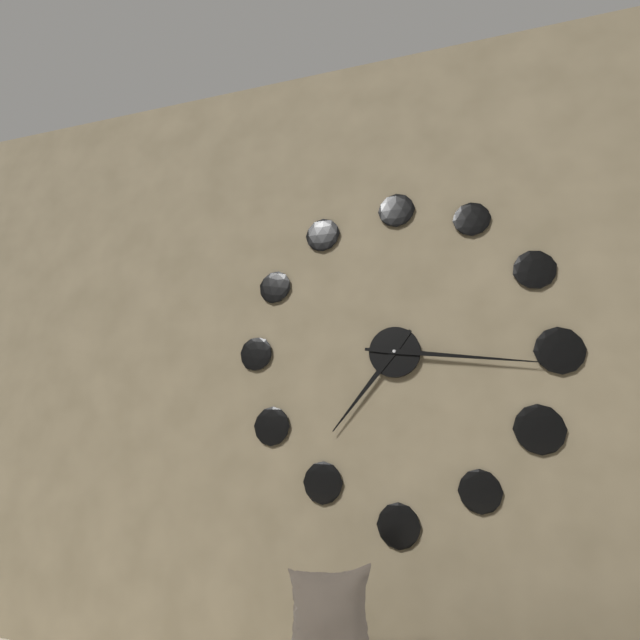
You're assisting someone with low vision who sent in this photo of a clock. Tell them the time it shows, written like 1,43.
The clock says 7,16
